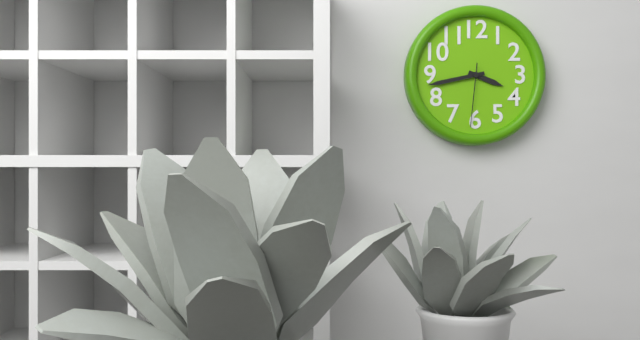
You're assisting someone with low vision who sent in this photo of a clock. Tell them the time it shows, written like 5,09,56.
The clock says 3,43,31
